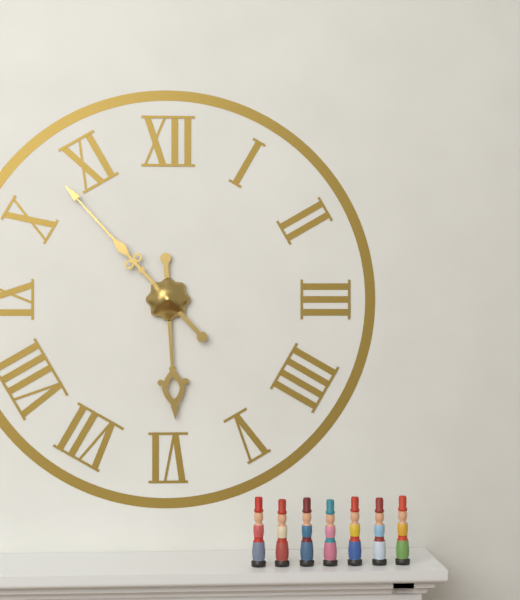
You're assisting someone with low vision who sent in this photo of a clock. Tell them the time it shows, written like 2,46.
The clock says 5,53
